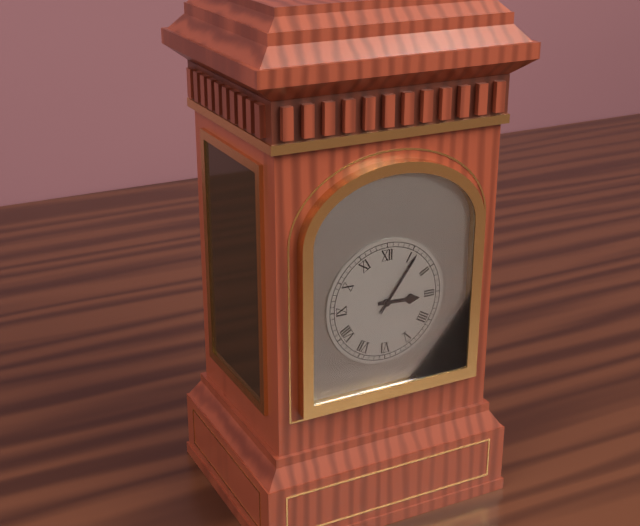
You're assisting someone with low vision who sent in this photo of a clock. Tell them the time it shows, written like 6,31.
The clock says 3,06
